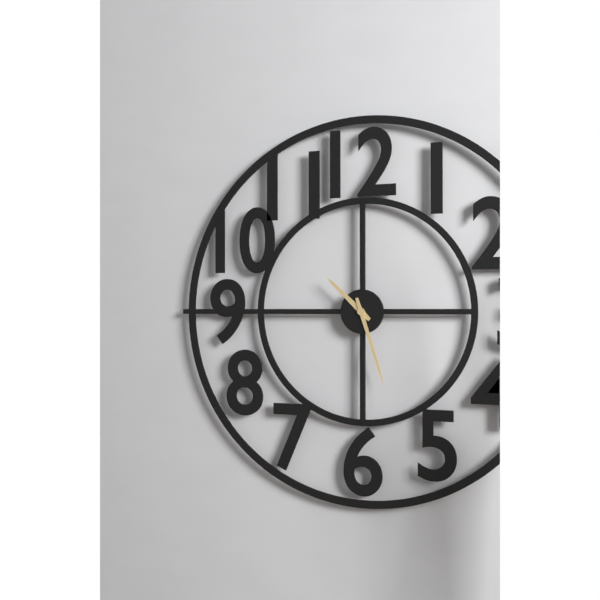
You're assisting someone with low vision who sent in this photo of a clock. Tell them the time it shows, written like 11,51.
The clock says 10,27
